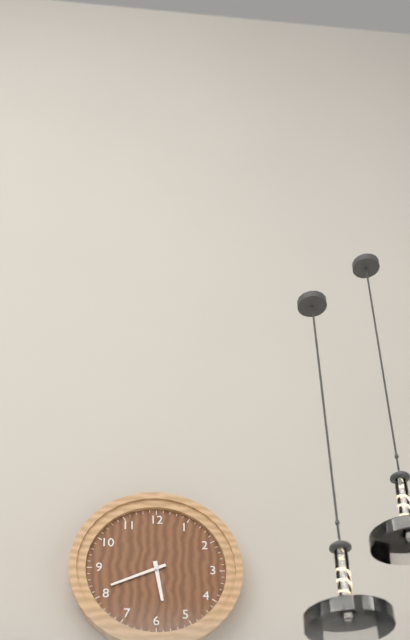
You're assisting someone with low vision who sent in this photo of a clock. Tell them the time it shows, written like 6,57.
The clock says 5,41
